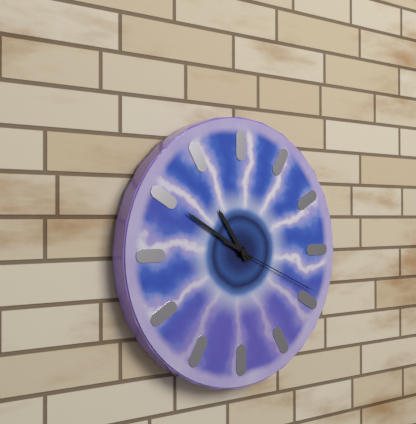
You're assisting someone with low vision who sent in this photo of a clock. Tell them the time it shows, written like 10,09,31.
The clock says 10,50,19
